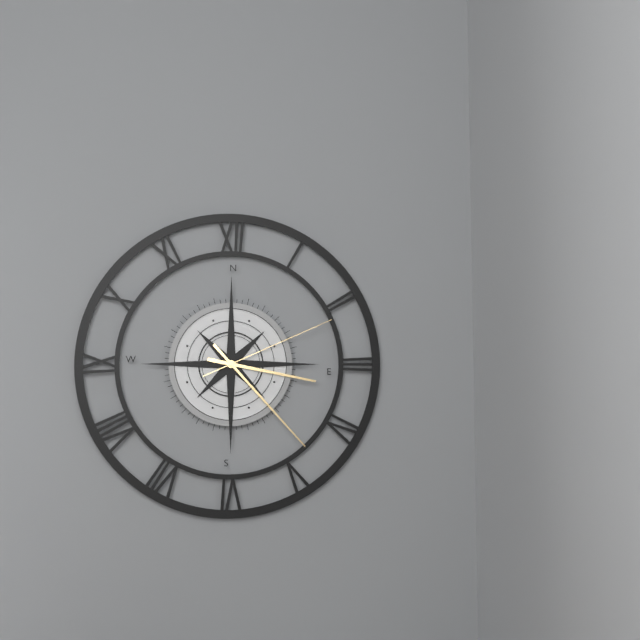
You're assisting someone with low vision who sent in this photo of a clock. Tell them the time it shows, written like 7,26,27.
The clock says 3,23,11
